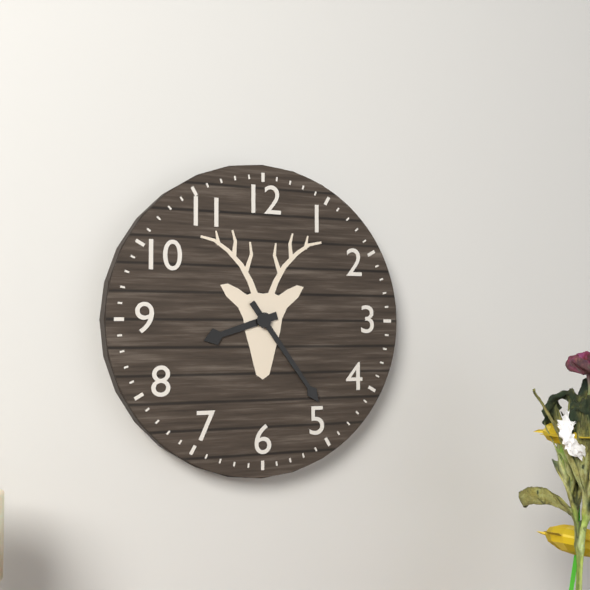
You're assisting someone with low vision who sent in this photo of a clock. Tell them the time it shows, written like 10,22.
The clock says 8,24
